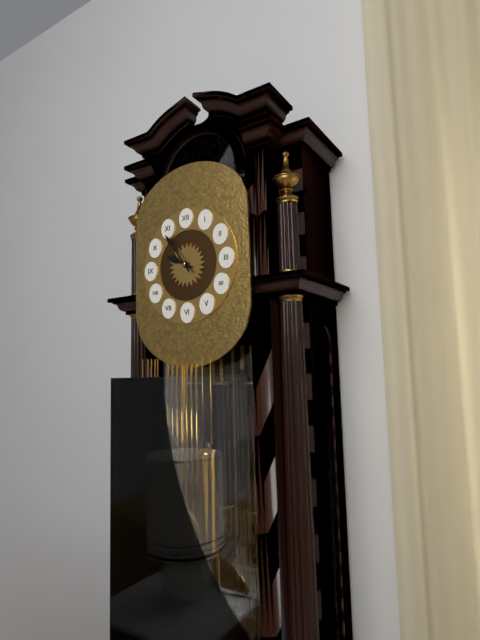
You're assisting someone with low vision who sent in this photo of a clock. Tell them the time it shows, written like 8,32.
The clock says 9,54
